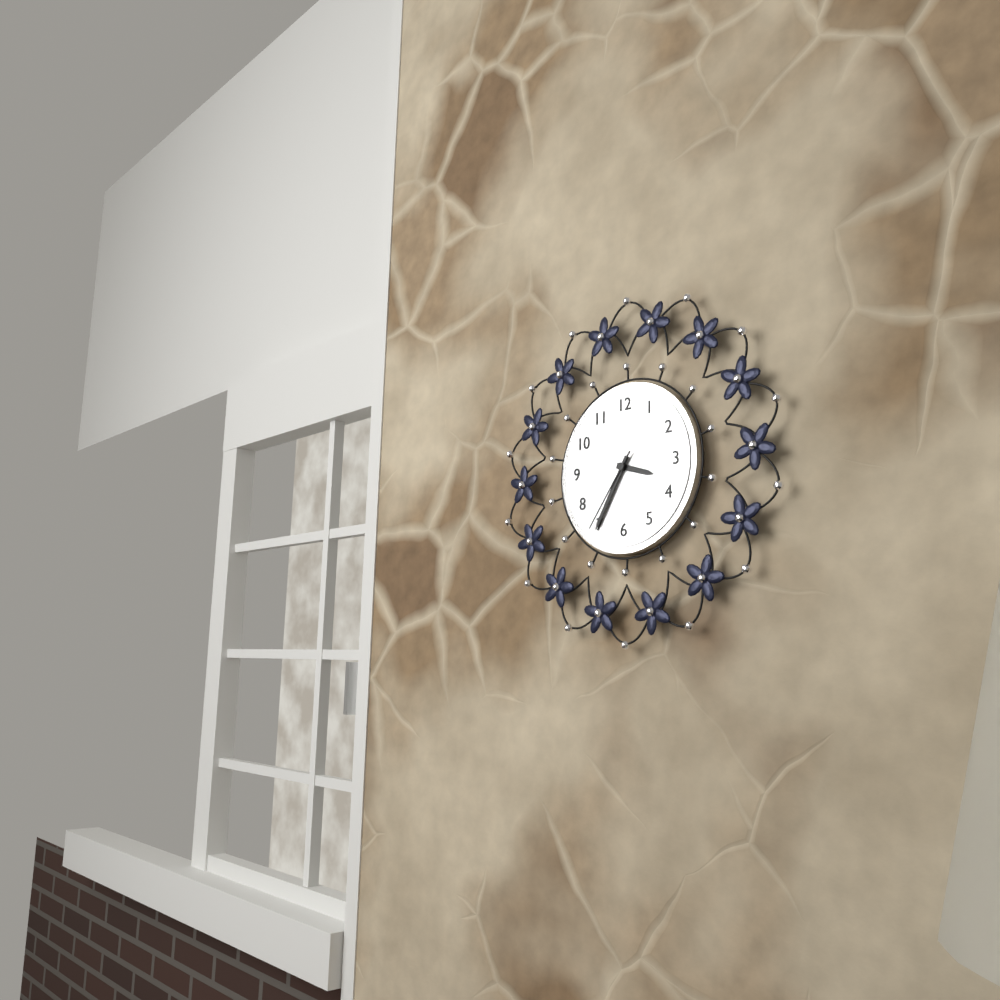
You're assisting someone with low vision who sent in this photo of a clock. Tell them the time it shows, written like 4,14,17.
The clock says 3,35,36
